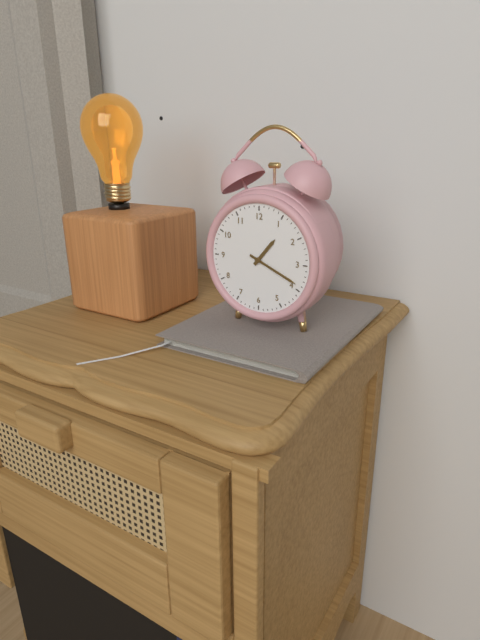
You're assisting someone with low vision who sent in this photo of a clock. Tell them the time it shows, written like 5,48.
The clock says 1,19
